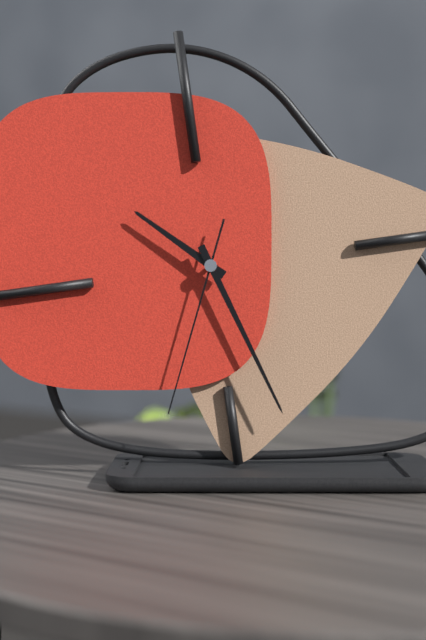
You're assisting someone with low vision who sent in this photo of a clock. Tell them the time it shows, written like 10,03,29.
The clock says 10,27,34
